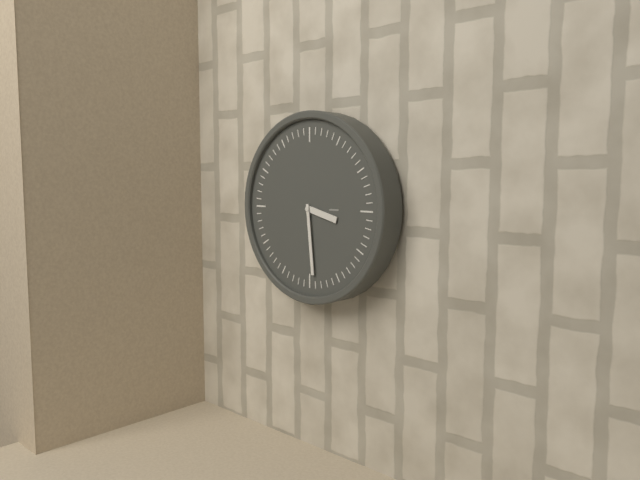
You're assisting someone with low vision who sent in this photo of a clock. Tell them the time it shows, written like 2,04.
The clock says 3,29
